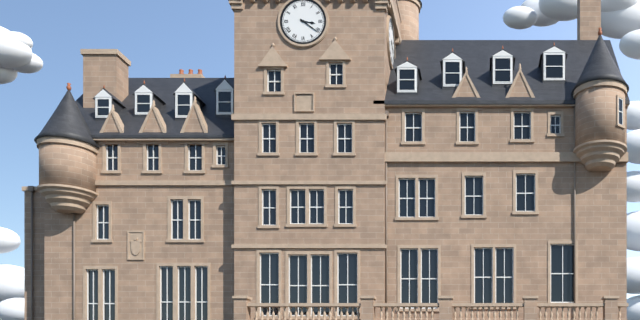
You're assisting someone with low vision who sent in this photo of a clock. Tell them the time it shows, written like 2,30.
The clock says 3,21
